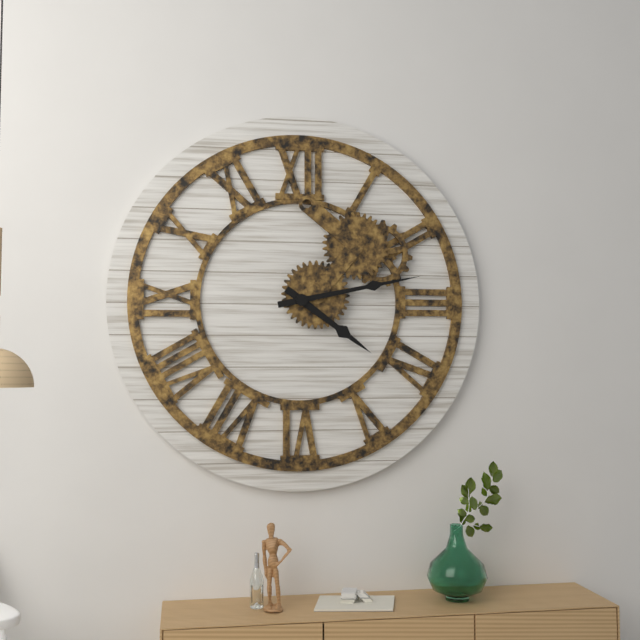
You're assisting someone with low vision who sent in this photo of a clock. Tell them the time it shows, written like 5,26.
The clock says 4,13
